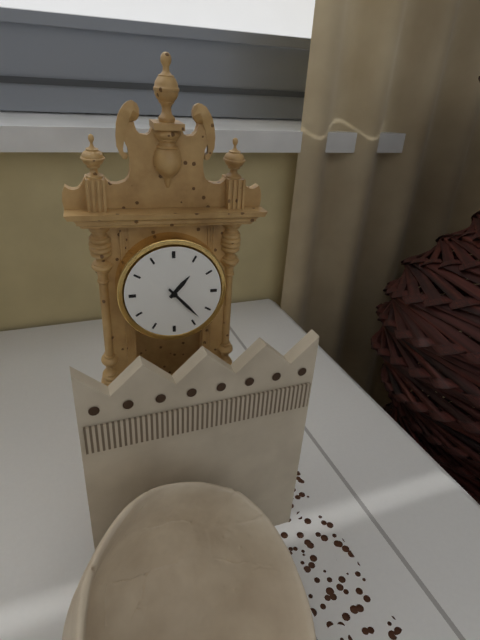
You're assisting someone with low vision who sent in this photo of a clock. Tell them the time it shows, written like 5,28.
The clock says 1,23
